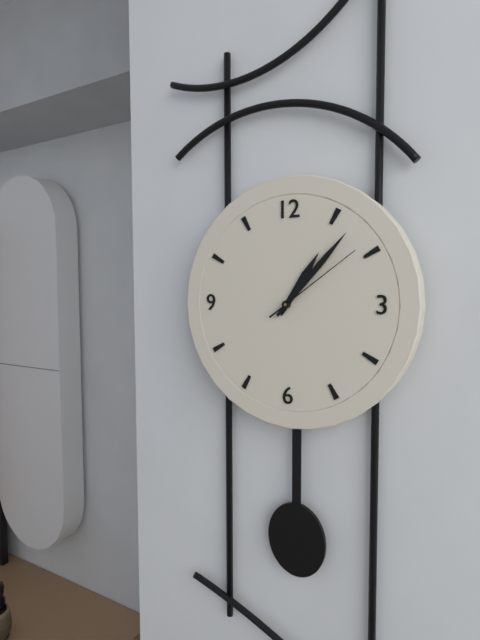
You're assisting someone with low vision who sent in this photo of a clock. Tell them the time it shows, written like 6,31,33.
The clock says 1,07,09
